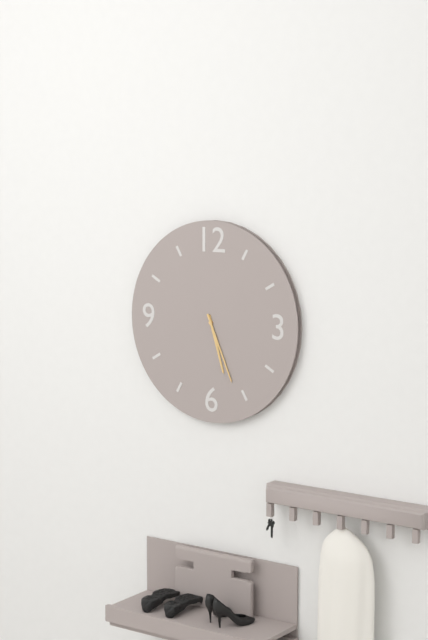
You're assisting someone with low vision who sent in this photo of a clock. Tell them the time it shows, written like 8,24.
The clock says 5,26
